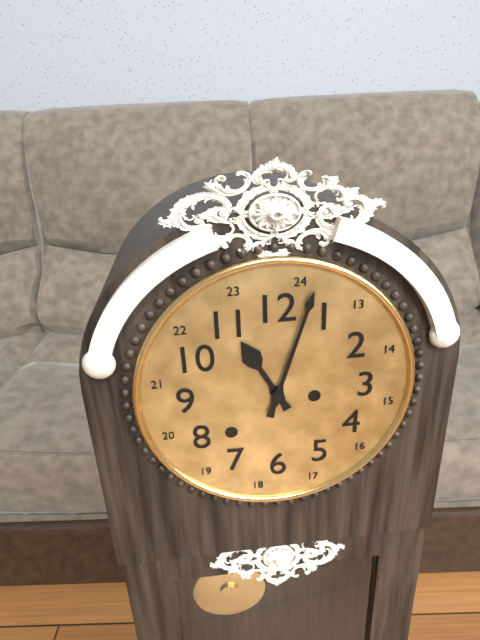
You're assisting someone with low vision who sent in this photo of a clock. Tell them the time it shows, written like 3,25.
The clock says 11,03
